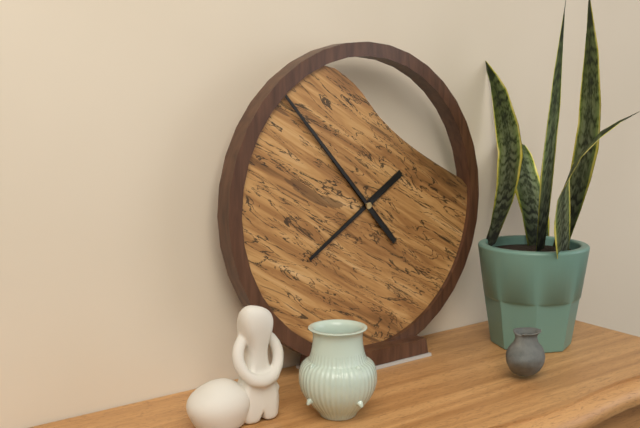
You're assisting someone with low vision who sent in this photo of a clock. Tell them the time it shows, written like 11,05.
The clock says 7,53
